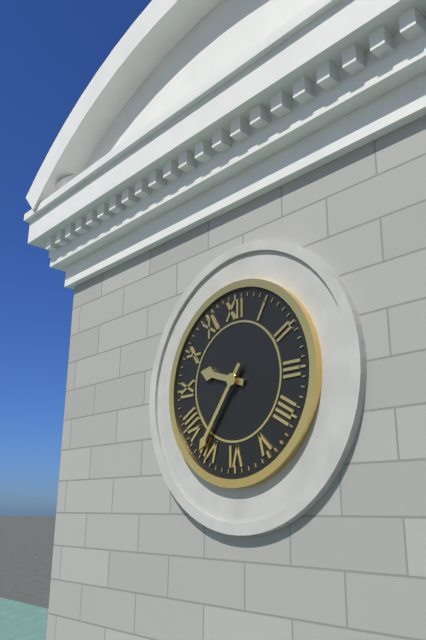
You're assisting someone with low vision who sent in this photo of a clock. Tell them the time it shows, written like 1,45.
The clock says 9,36
